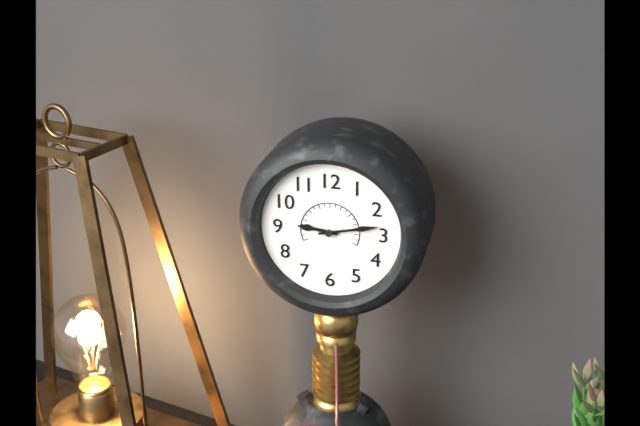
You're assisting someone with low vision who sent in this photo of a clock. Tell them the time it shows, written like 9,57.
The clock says 9,13
